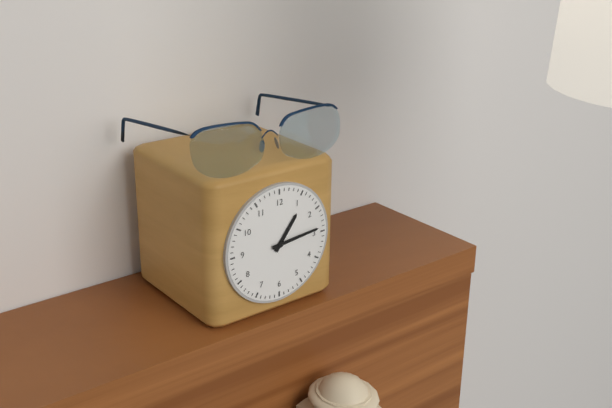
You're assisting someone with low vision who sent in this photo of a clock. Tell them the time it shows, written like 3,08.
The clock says 1,14
